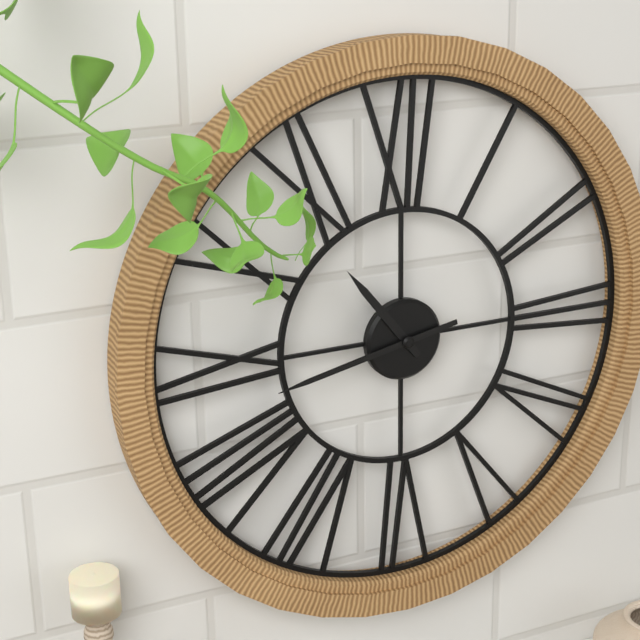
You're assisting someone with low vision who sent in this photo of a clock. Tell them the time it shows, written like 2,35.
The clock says 10,43
